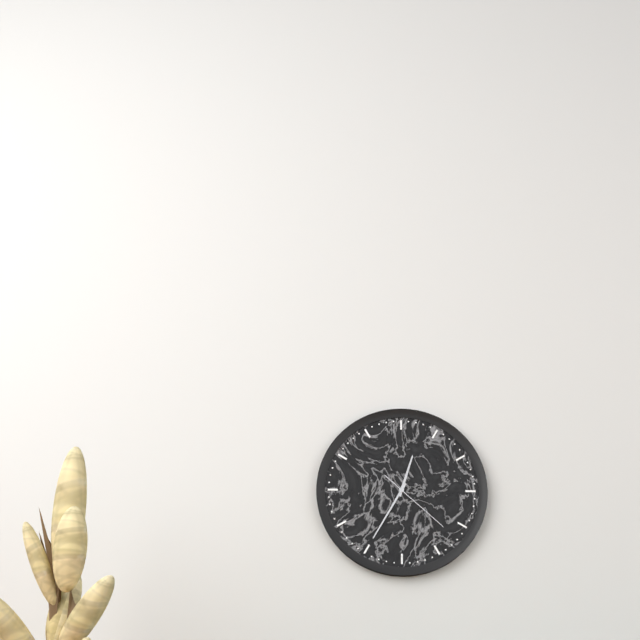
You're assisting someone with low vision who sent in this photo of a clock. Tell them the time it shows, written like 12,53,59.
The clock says 12,35,22
